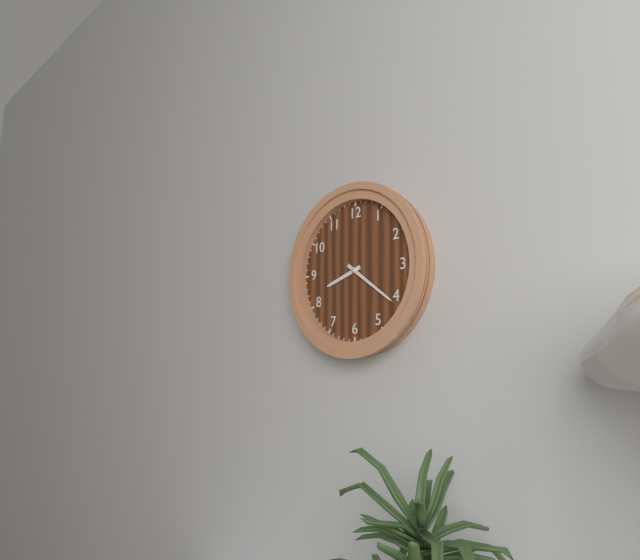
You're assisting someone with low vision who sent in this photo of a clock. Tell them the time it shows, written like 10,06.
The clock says 8,21
